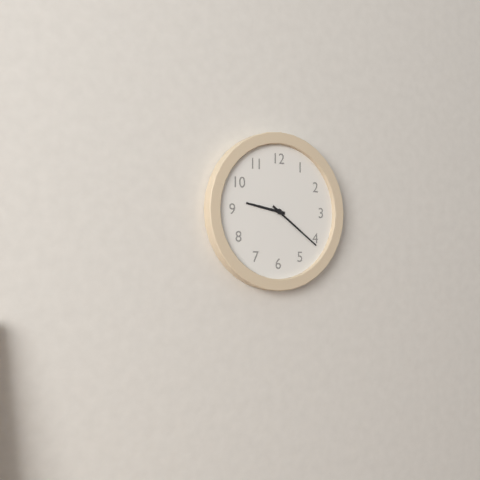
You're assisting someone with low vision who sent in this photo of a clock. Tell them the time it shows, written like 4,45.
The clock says 9,21
